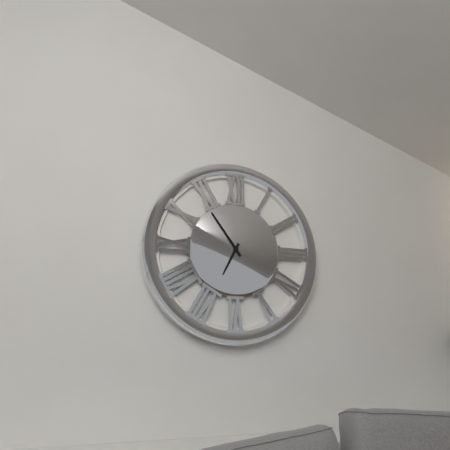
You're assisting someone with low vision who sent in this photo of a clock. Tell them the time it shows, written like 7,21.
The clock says 6,54
